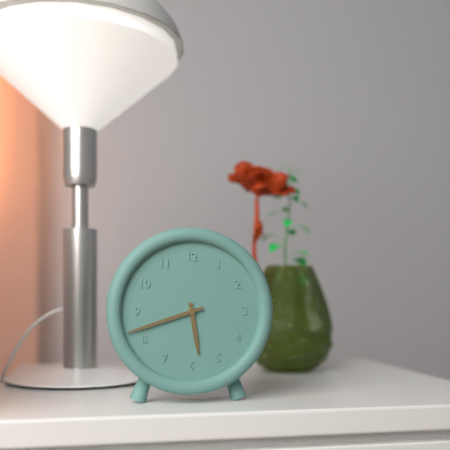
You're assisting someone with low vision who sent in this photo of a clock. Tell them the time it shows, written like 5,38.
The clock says 5,42
